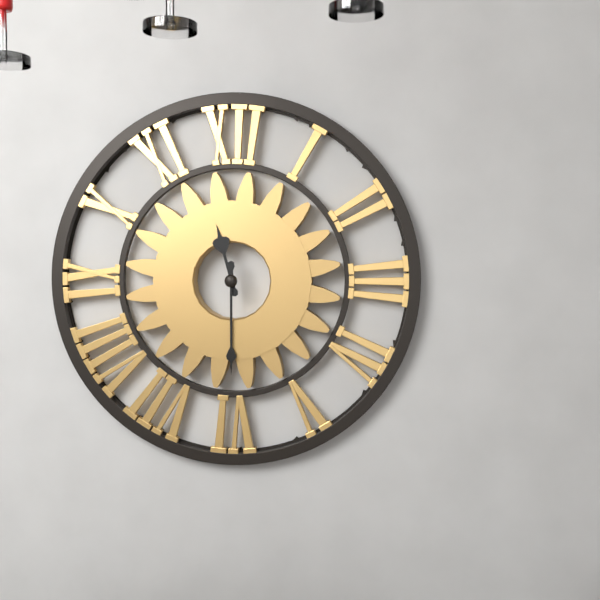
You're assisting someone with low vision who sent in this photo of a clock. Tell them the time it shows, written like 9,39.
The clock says 11,30
